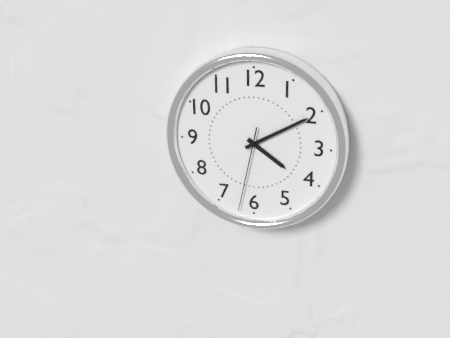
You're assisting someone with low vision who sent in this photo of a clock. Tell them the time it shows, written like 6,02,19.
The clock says 4,10,32
